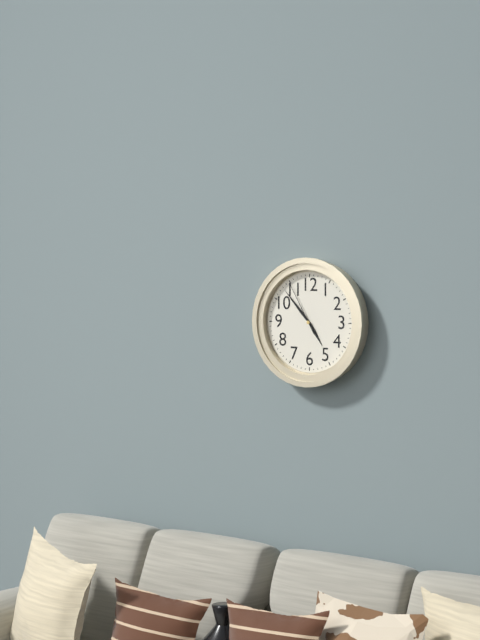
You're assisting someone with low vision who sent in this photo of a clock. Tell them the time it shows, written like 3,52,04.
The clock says 4,53,55
